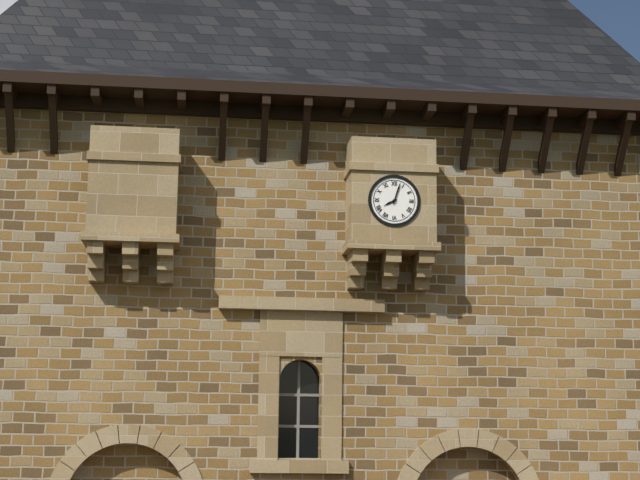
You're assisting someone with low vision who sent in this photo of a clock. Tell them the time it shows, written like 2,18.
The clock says 8,03
